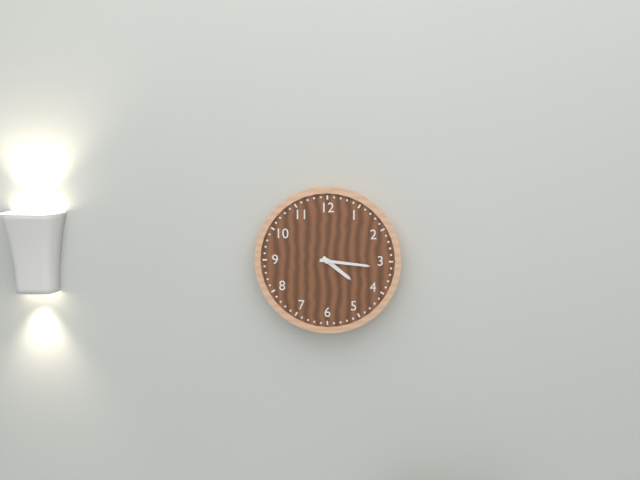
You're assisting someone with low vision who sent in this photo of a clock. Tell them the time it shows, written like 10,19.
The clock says 4,16
